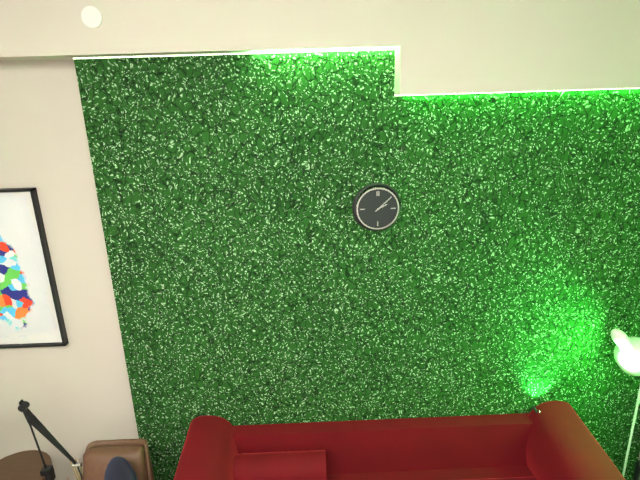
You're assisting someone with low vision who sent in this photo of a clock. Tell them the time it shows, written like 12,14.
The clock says 2,08
